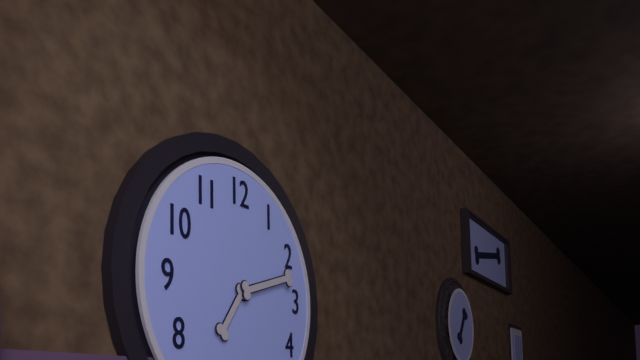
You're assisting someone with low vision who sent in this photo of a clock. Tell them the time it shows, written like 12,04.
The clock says 7,12
